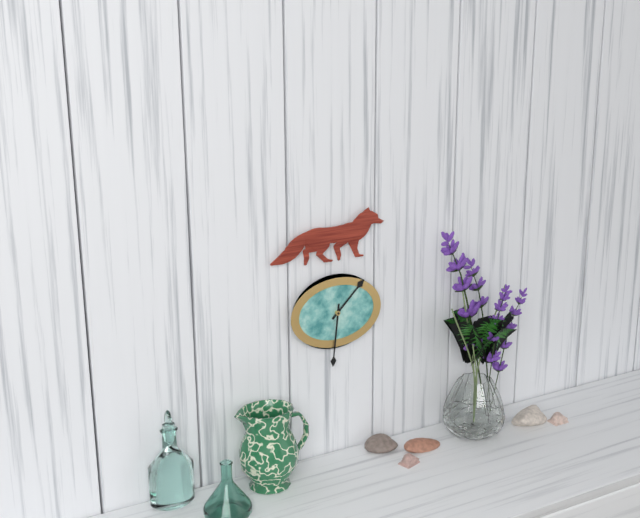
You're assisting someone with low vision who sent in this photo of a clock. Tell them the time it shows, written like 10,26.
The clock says 1,31
